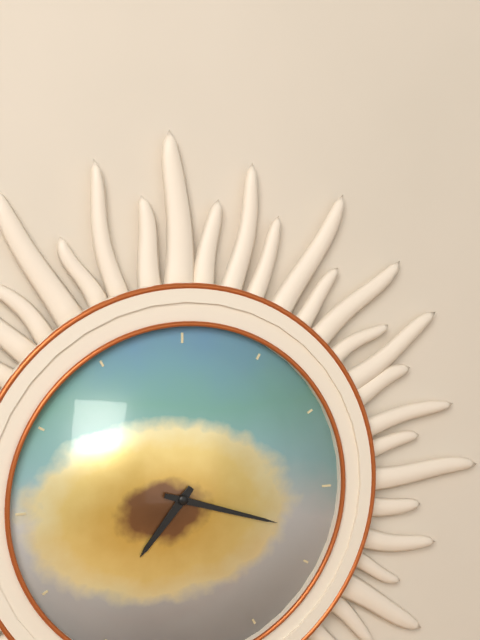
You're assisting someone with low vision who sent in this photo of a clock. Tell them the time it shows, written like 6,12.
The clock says 7,18
